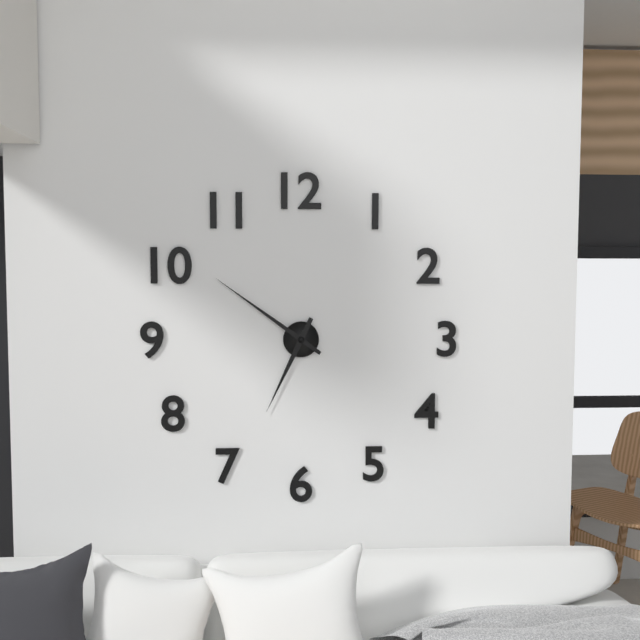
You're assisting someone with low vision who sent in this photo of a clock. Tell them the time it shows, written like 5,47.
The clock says 6,51
